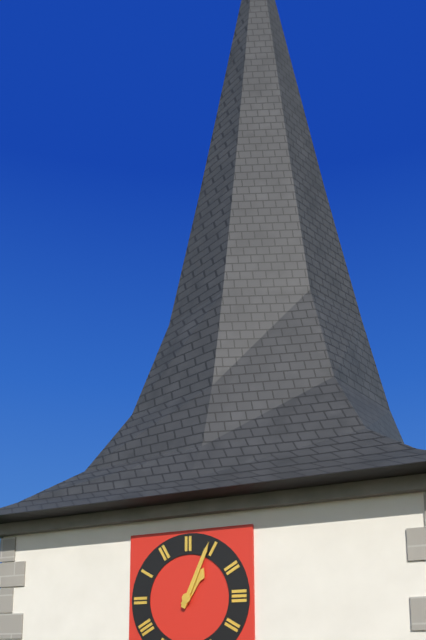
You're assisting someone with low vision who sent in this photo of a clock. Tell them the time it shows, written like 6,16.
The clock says 1,04
